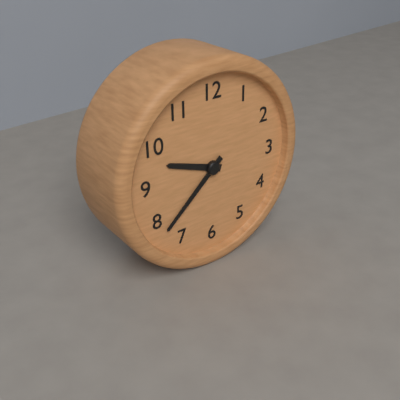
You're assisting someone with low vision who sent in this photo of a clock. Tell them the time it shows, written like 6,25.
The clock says 9,38
